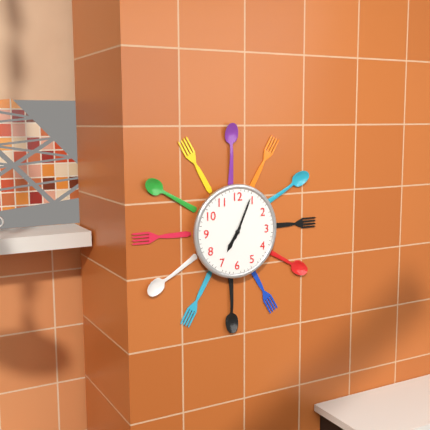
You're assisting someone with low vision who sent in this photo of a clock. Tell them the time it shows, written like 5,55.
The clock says 7,04
